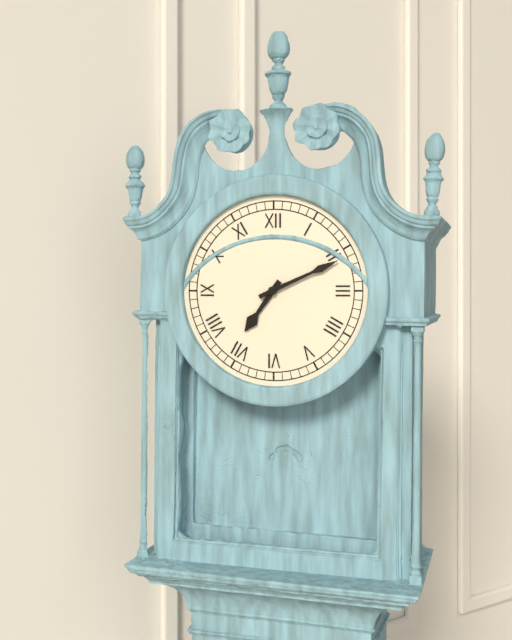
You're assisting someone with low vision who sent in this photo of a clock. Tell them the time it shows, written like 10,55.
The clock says 7,11
